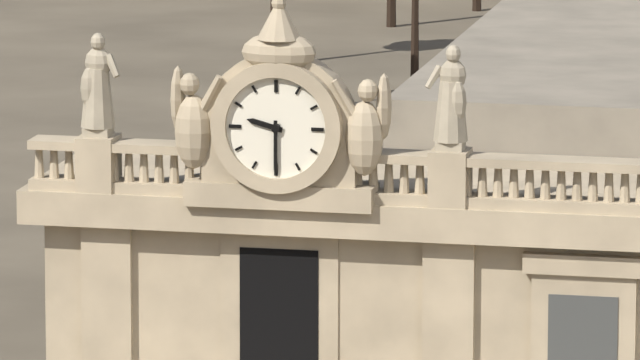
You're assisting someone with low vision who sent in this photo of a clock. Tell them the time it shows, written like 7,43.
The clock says 9,30
